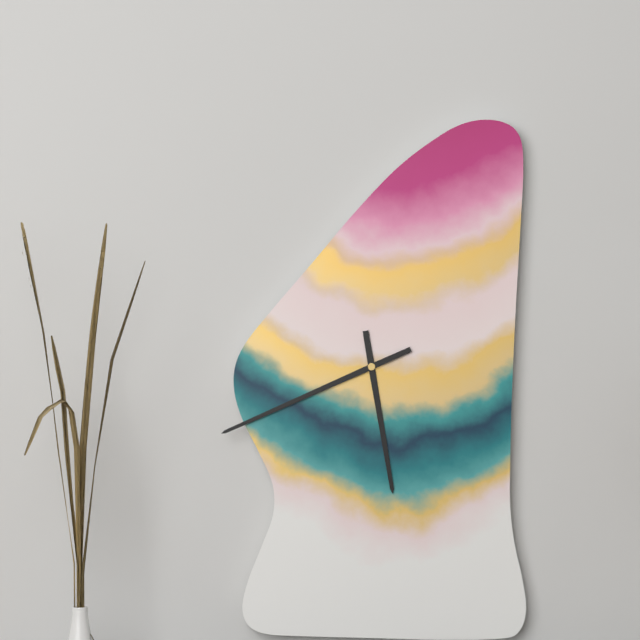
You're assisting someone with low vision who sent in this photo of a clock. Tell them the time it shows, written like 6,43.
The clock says 5,41
